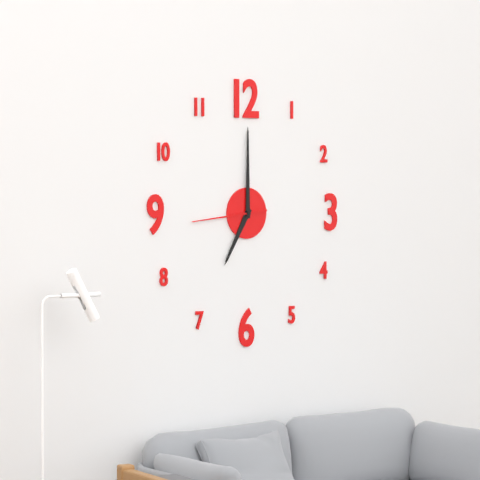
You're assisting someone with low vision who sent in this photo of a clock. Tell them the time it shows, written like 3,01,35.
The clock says 7,00,44
